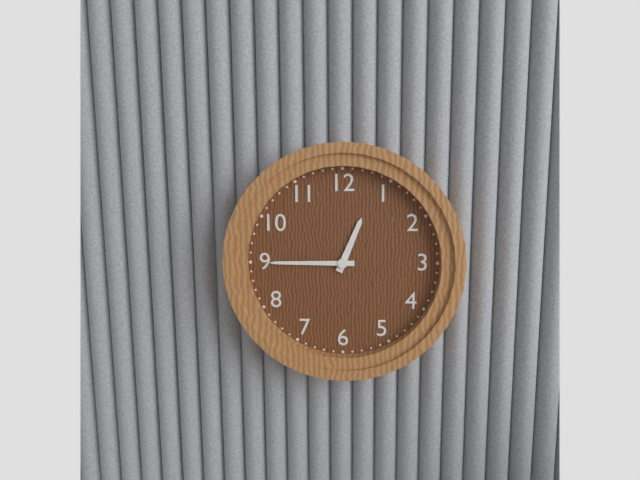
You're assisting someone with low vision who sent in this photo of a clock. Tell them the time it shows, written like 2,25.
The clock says 12,45
